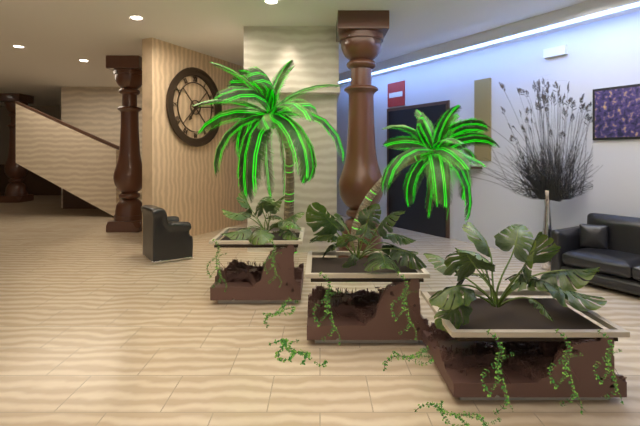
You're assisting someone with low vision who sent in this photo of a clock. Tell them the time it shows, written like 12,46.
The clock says 7,14
